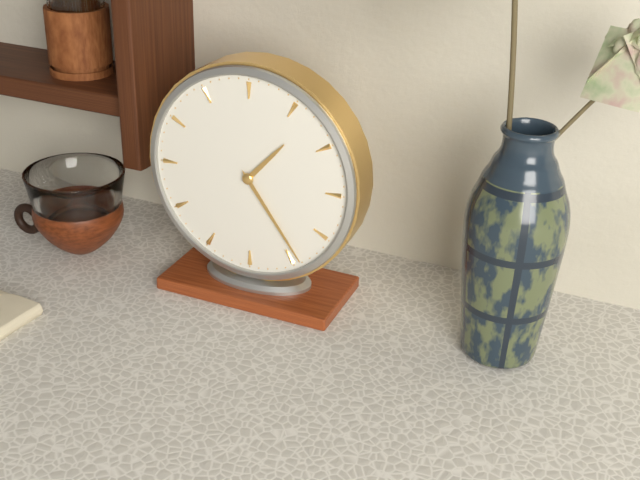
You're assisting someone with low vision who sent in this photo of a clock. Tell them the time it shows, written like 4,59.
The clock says 1,24
